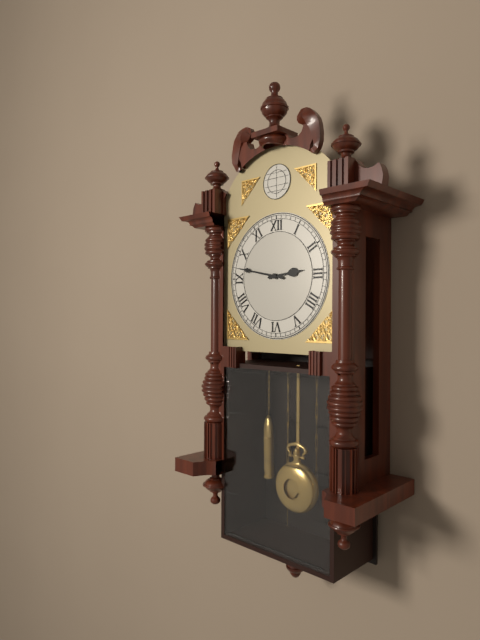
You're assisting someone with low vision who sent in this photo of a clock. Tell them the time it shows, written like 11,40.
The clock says 2,47
